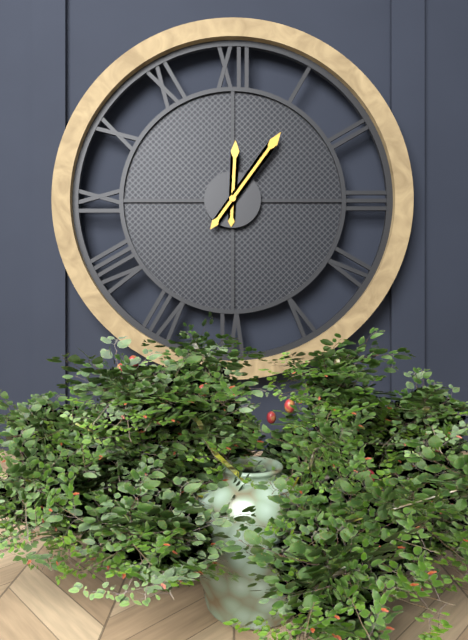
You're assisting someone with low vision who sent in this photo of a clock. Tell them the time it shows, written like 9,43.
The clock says 12,06
